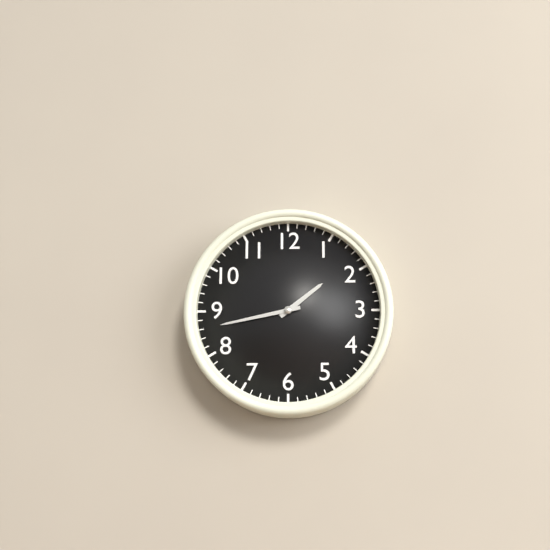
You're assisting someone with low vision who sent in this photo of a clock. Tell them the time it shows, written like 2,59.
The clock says 1,43
